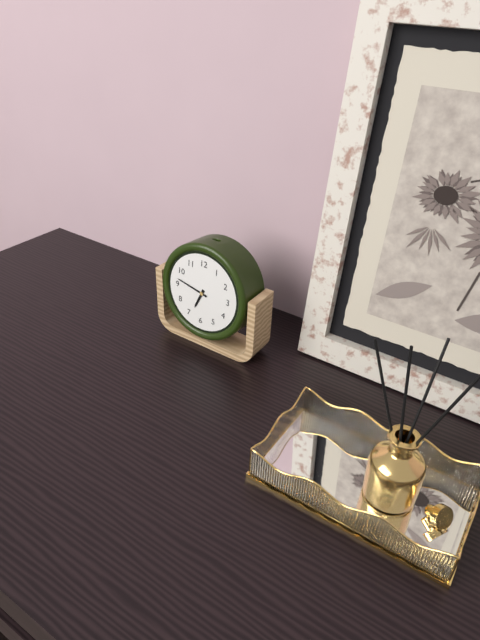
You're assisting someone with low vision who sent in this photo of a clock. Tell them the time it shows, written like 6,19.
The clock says 6,47
